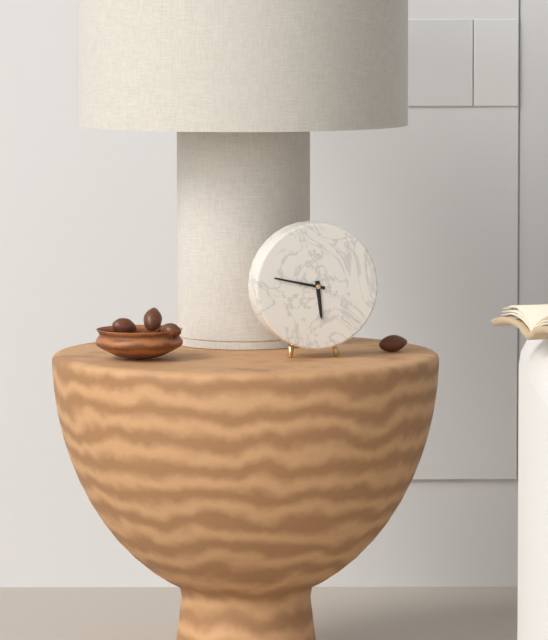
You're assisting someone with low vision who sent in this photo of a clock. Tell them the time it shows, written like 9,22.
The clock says 5,47
